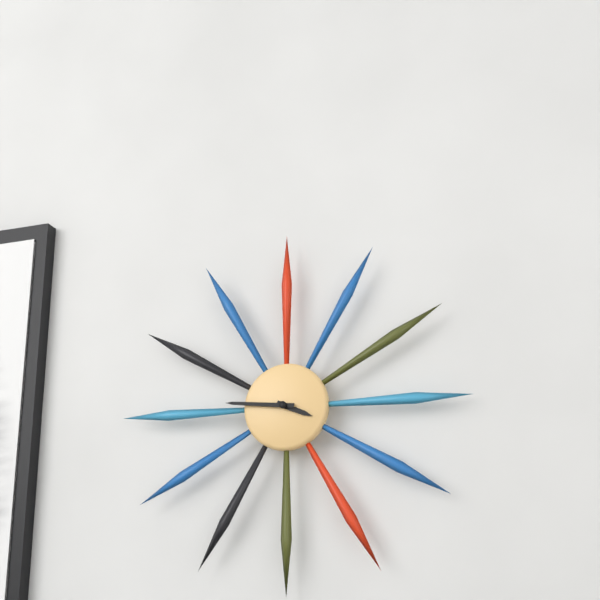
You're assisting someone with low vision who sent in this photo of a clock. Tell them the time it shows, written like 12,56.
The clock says 3,46
